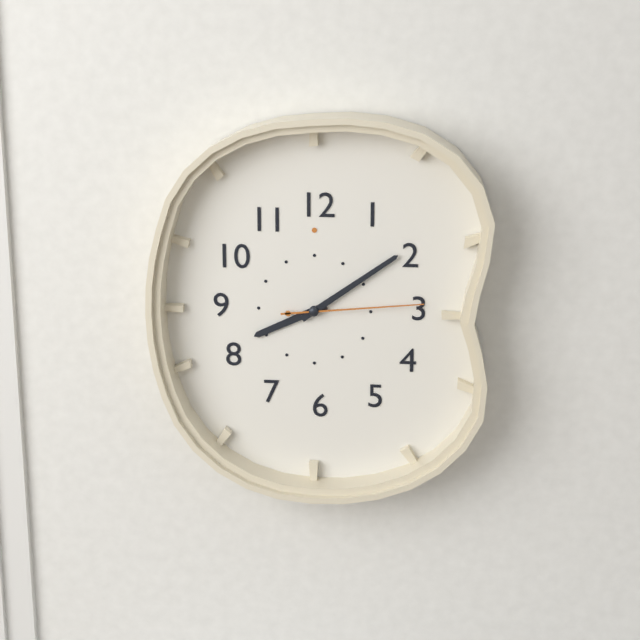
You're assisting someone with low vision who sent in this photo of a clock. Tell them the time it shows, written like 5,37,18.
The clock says 8,09,14
